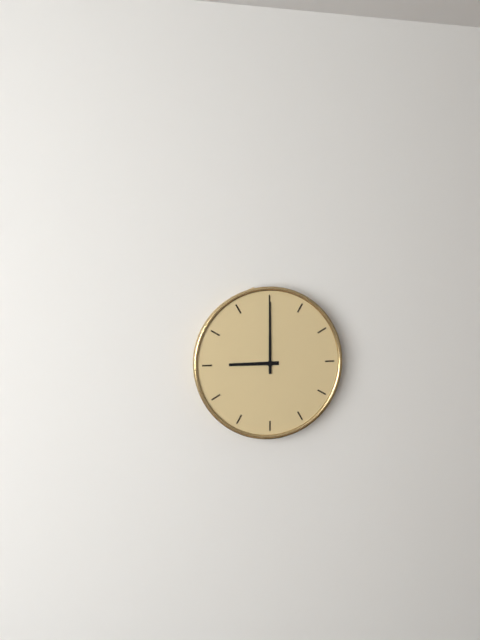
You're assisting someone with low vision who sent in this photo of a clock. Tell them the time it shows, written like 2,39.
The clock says 9,00
